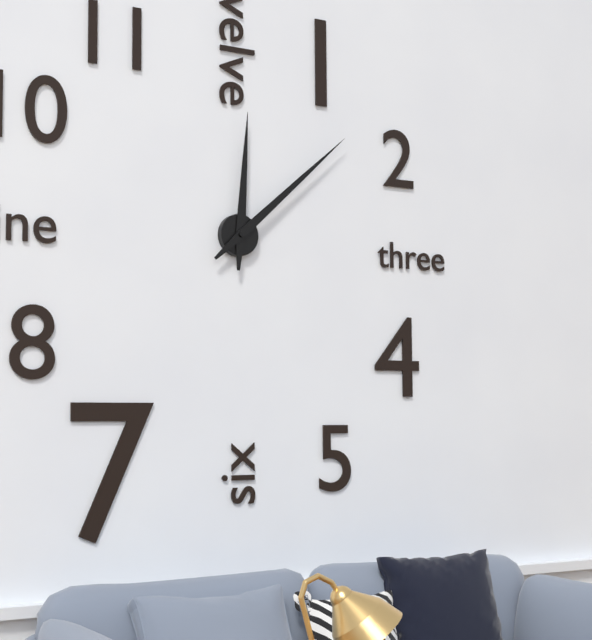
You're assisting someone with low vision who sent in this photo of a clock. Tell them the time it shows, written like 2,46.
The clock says 12,08
